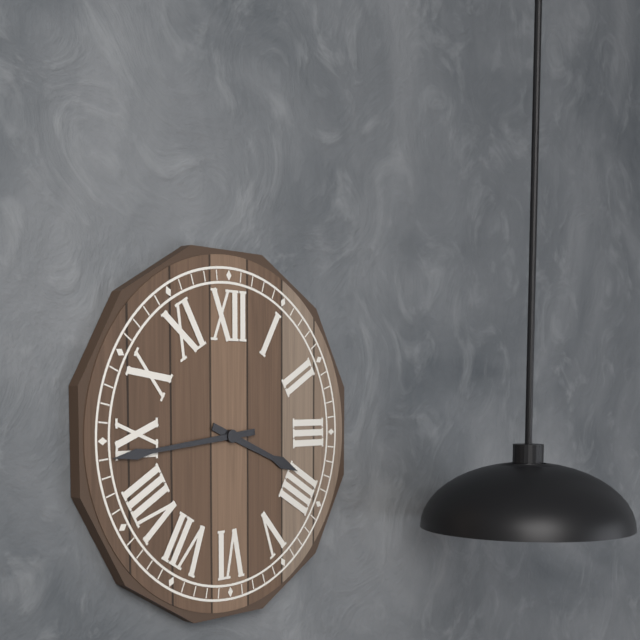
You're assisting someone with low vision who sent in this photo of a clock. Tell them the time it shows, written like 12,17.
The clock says 3,44
